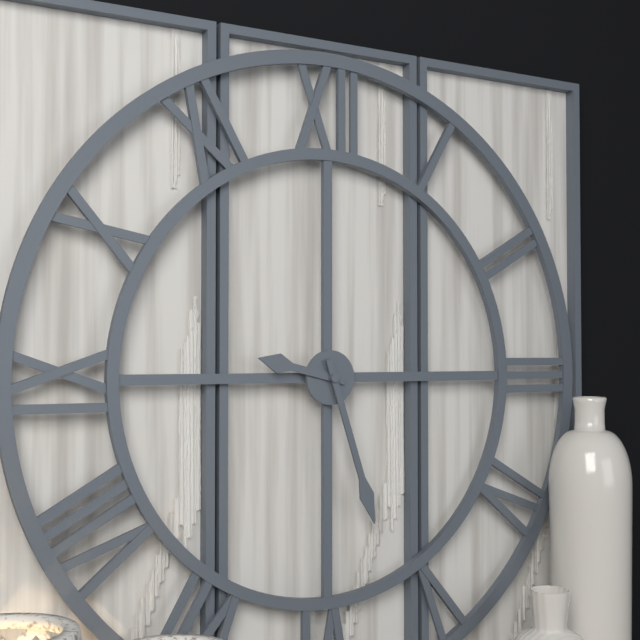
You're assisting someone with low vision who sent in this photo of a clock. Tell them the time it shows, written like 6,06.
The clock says 9,27
